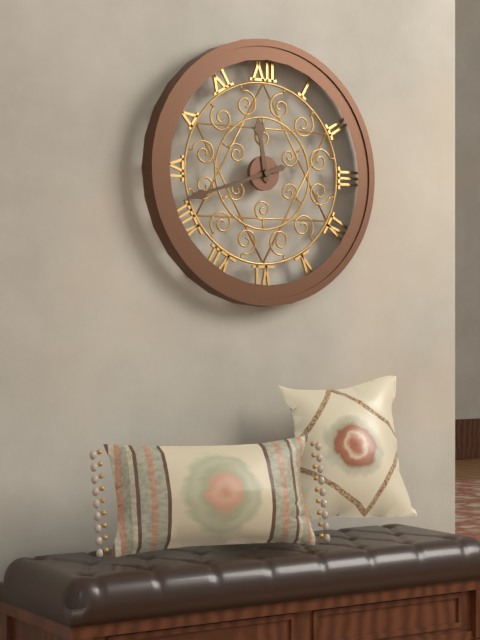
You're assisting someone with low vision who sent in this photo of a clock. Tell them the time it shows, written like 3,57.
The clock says 11,42
